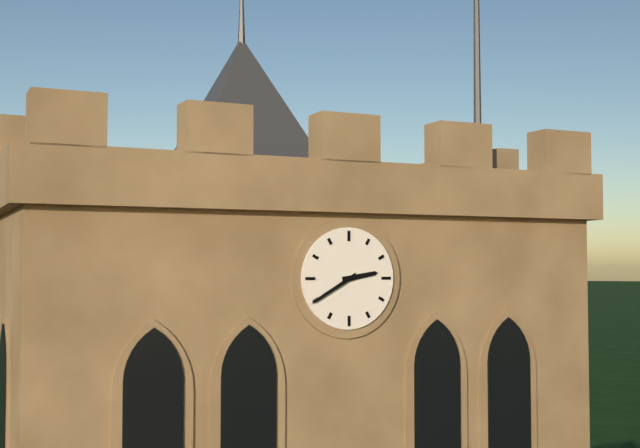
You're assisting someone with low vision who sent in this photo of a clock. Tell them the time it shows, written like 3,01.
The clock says 2,40
